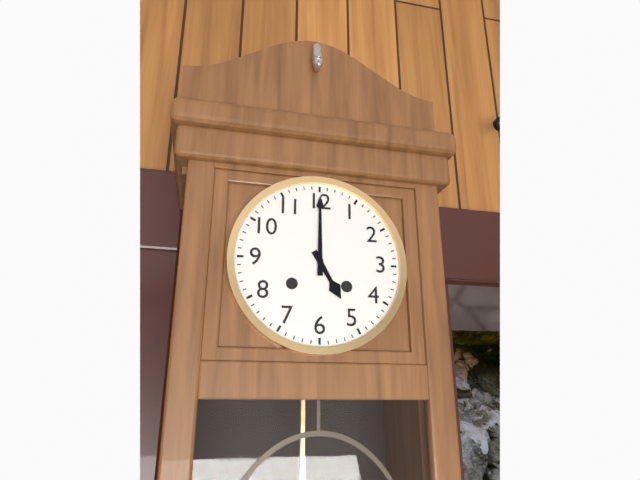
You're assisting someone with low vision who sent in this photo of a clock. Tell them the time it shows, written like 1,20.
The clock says 5,00
